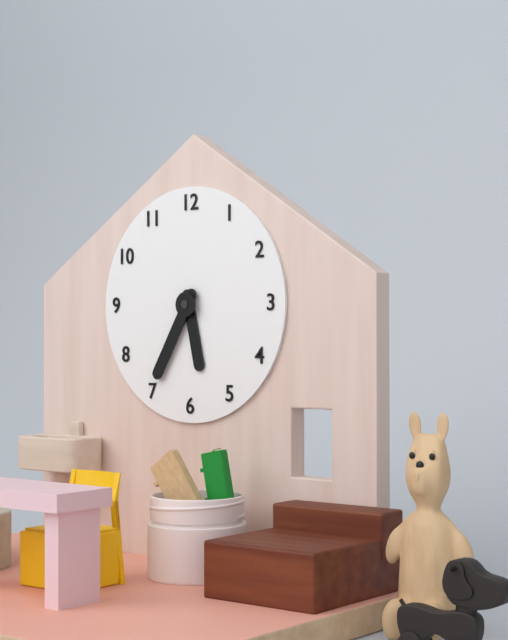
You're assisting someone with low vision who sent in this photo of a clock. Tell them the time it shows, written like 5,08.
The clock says 5,35
